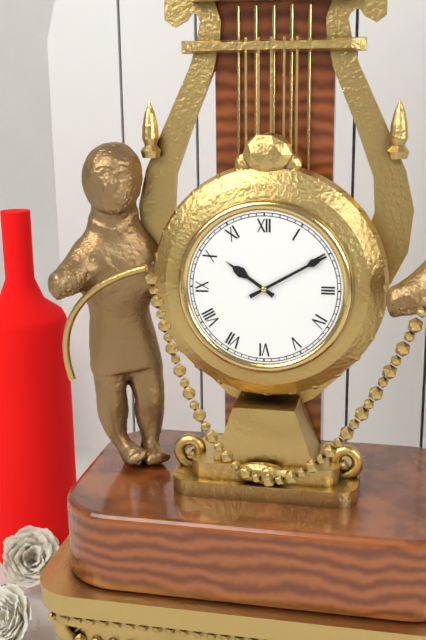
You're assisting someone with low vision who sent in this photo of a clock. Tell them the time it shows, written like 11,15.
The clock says 10,10
